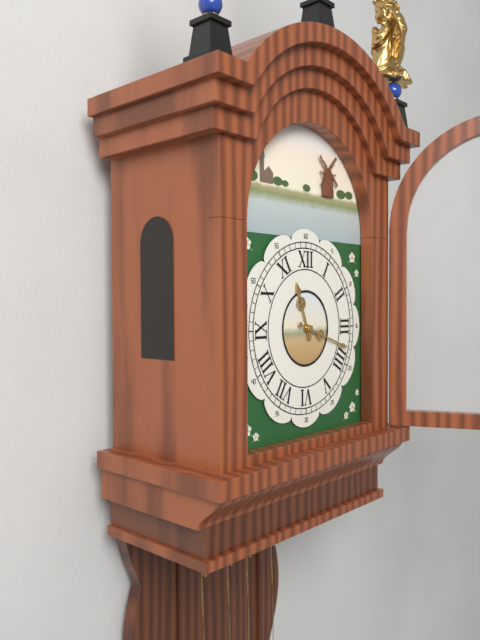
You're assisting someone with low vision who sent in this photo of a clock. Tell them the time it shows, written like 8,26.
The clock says 11,18
